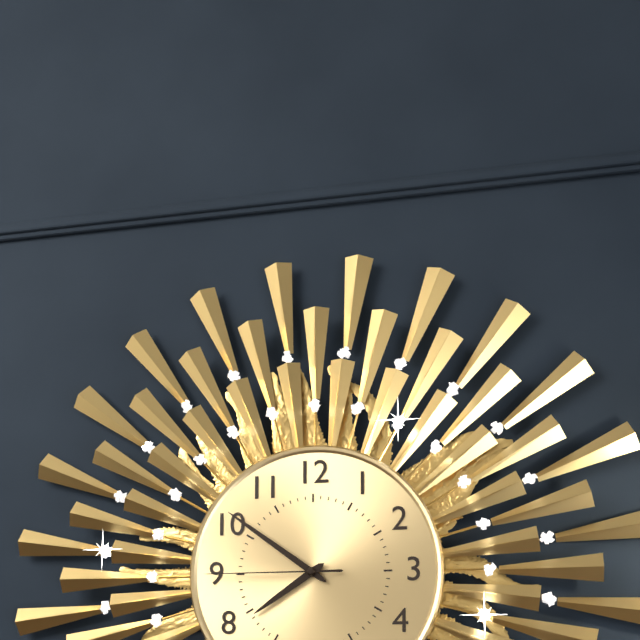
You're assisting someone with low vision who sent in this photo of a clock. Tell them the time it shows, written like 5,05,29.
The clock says 7,51,45
